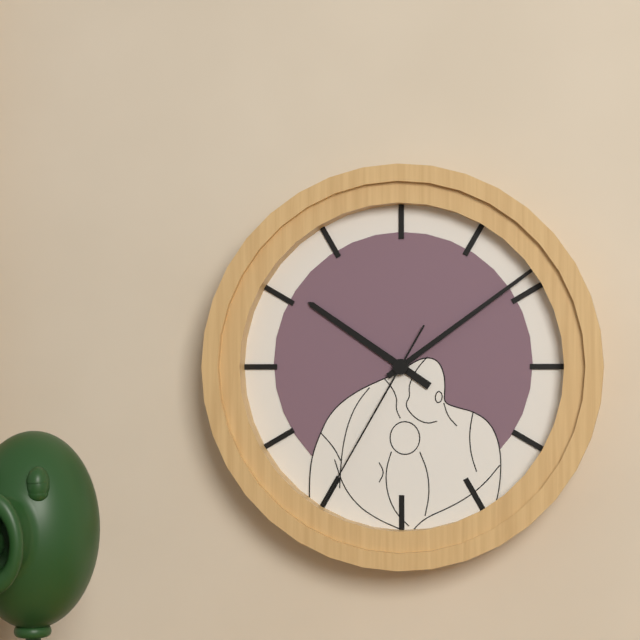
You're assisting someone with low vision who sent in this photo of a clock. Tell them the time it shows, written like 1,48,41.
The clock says 10,09,35
